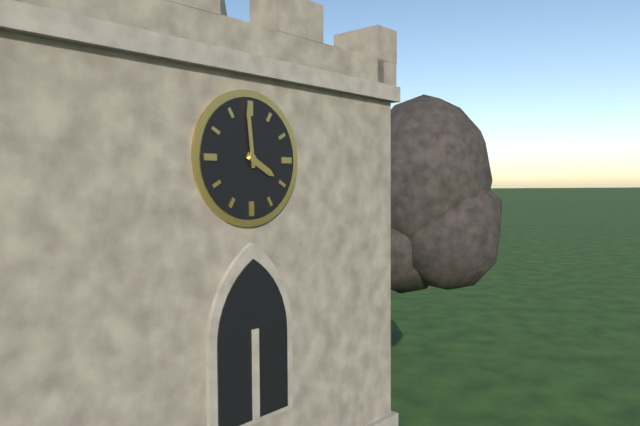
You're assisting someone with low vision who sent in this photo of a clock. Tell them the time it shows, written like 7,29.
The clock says 3,59
